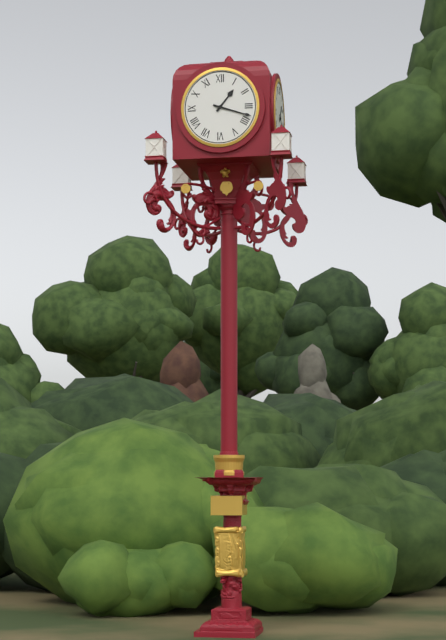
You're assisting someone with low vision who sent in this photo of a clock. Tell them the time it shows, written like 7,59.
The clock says 1,18
